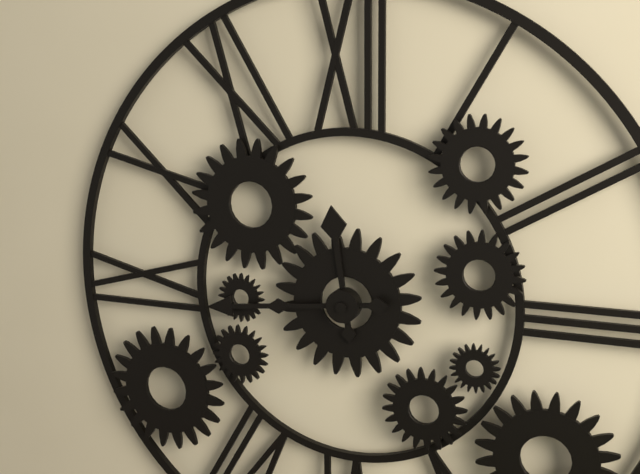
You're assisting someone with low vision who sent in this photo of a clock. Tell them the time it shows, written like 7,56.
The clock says 11,44
